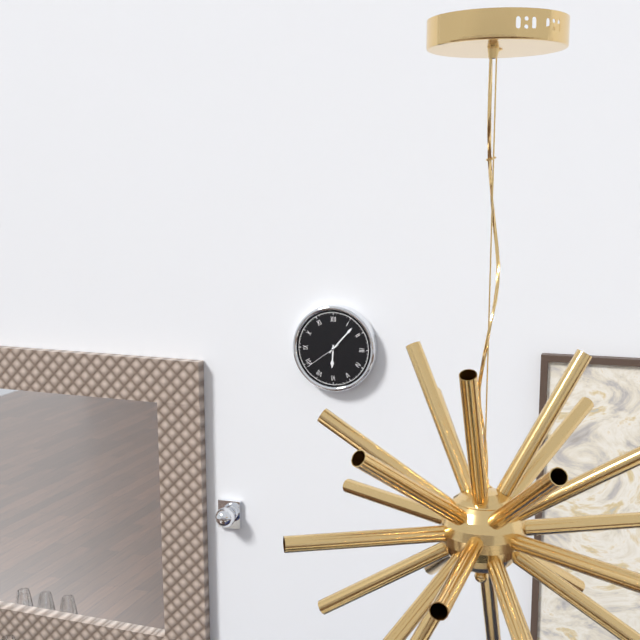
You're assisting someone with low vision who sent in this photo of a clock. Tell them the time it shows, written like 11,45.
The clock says 6,07
